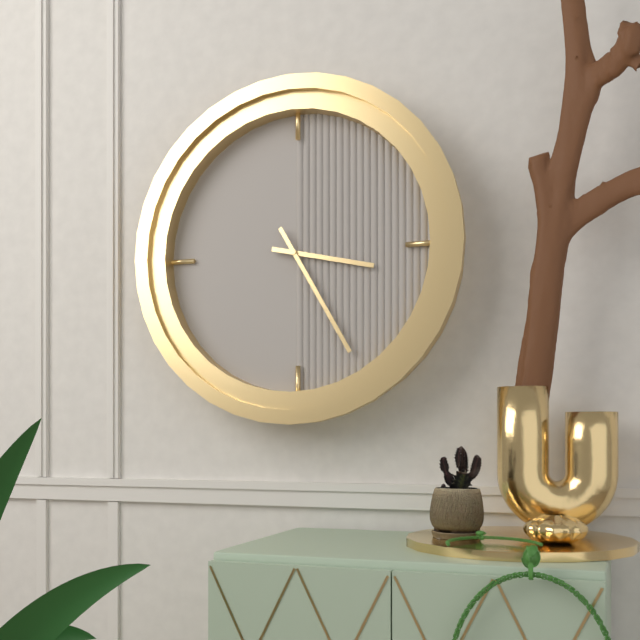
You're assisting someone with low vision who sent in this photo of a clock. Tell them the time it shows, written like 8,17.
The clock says 3,25
